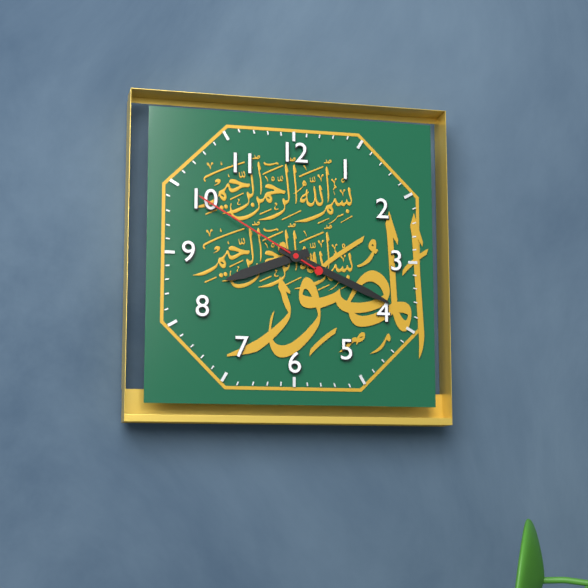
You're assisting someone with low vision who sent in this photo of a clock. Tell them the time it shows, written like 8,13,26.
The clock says 8,19,50
